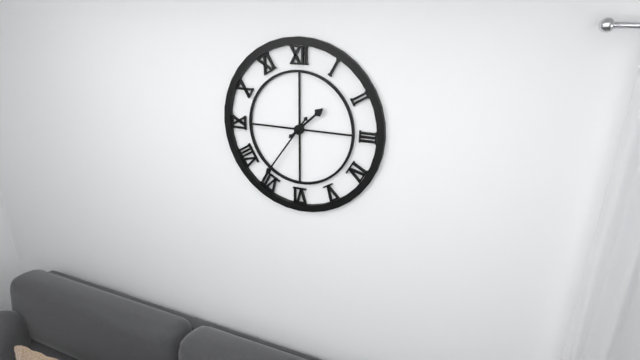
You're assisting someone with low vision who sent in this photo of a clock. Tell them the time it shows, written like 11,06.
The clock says 1,36
